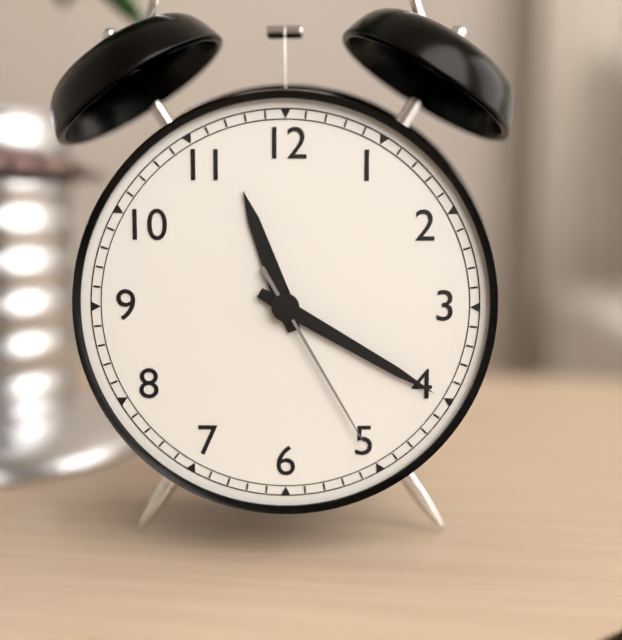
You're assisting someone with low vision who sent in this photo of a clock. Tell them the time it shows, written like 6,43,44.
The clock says 11,20,25
